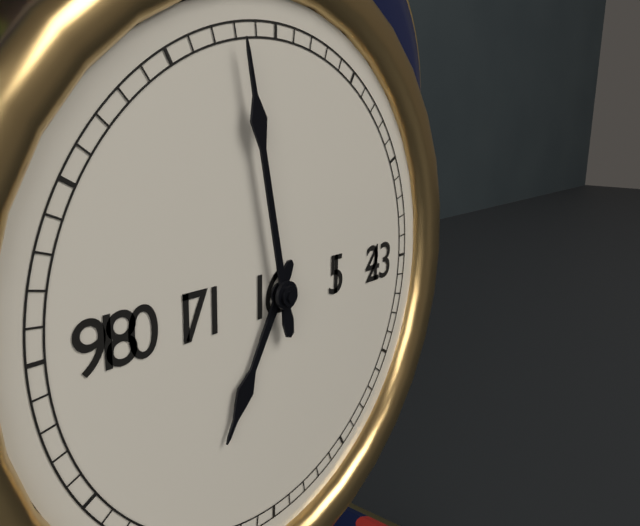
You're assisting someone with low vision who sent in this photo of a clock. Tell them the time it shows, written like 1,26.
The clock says 6,58
